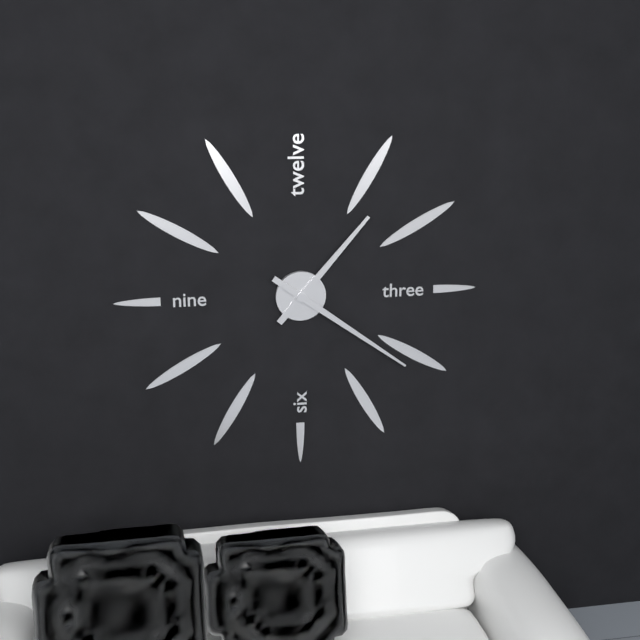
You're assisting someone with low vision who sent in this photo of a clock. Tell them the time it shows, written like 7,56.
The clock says 1,21
